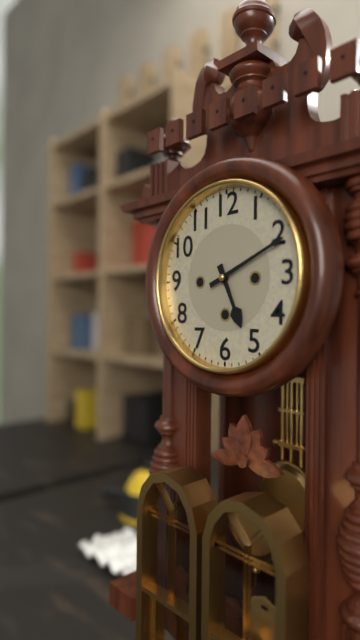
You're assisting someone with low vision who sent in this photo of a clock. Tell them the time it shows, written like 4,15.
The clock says 5,11
